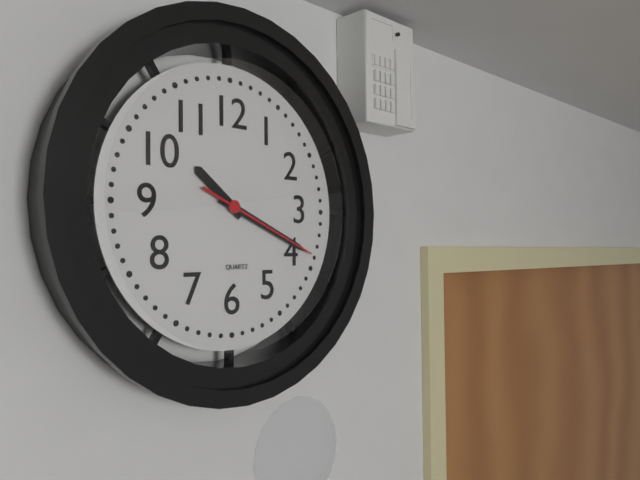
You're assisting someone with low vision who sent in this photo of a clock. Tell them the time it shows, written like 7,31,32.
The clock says 10,19,19
